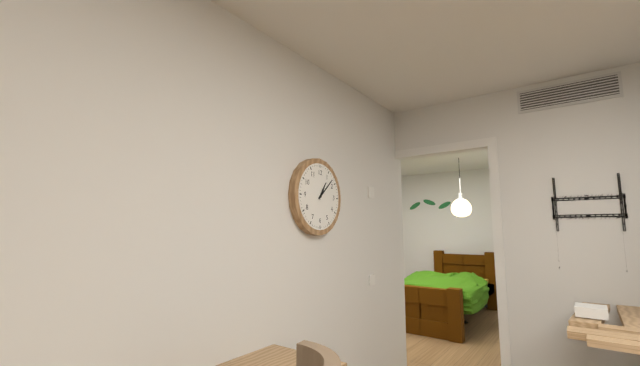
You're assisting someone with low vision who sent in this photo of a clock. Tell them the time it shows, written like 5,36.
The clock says 1,08
